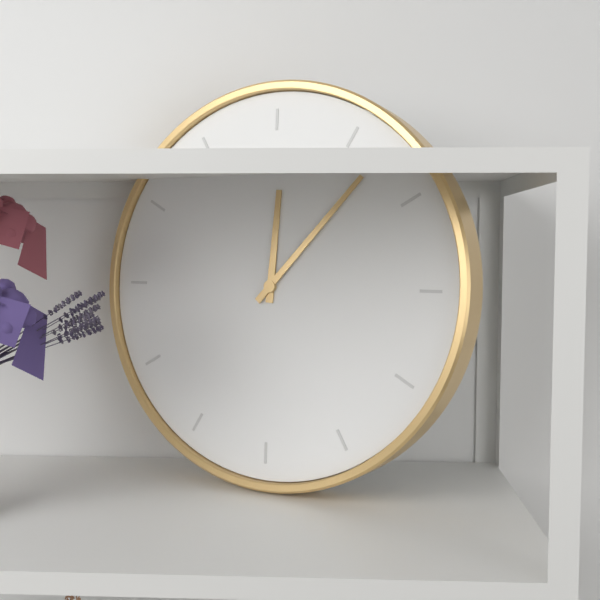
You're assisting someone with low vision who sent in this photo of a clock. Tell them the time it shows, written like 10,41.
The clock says 12,07
